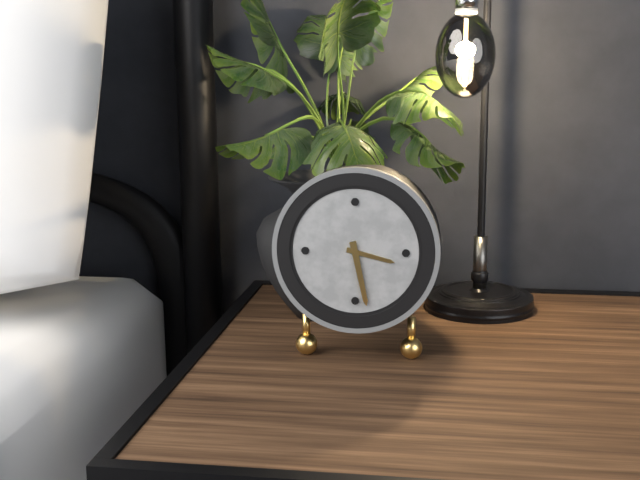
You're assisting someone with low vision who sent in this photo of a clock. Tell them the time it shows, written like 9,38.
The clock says 3,28
